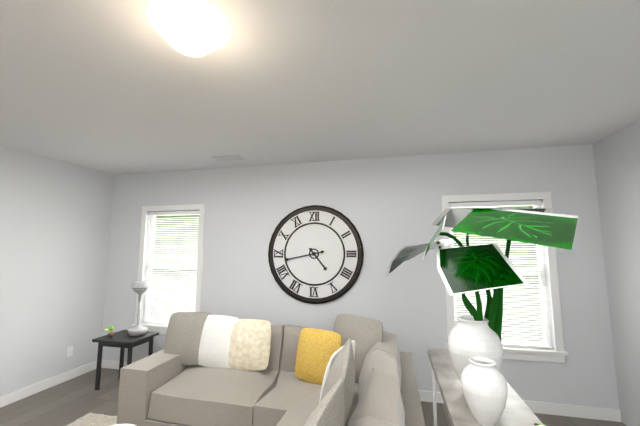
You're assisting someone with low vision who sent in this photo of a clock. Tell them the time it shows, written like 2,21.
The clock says 4,43
